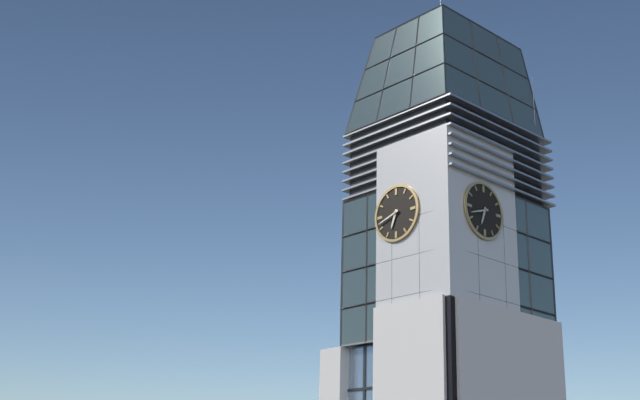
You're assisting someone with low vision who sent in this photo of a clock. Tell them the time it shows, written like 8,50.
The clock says 6,42
